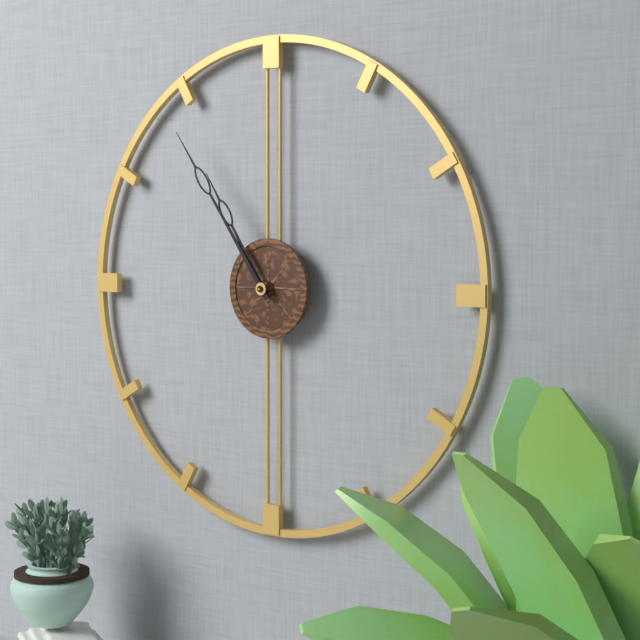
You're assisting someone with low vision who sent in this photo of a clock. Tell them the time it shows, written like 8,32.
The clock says 10,54
